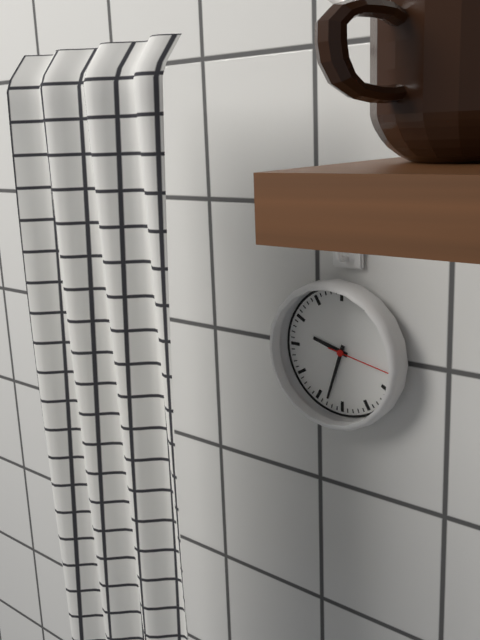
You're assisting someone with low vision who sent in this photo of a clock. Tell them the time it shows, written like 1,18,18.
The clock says 9,33,17
